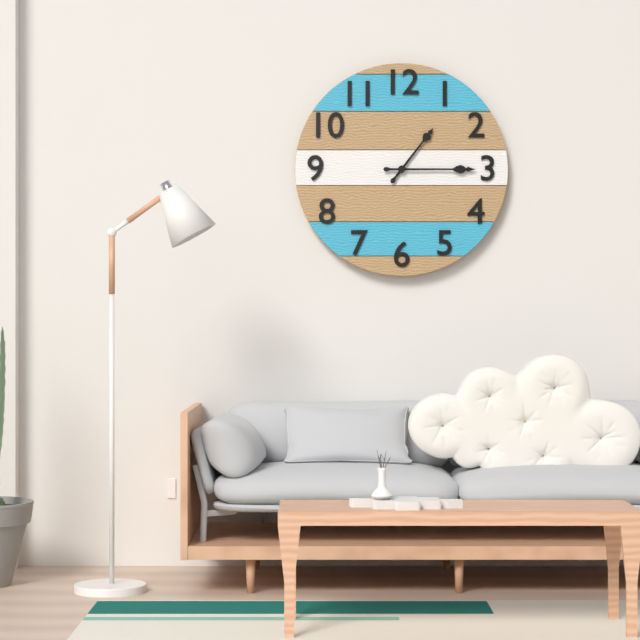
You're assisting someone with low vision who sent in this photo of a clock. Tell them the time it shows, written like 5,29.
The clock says 1,15
